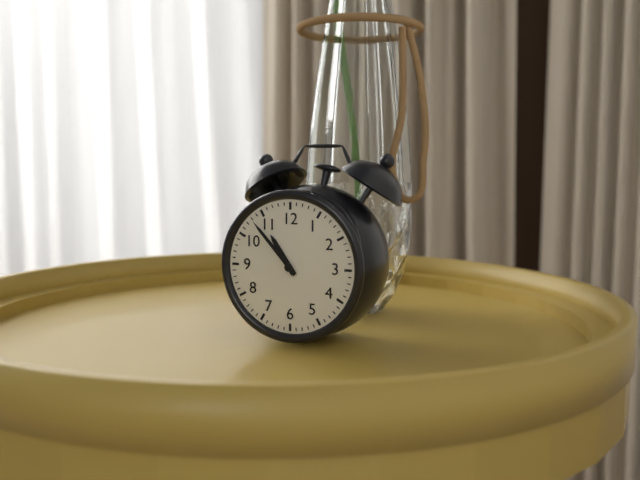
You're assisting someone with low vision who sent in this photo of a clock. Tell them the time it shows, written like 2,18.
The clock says 10,53
